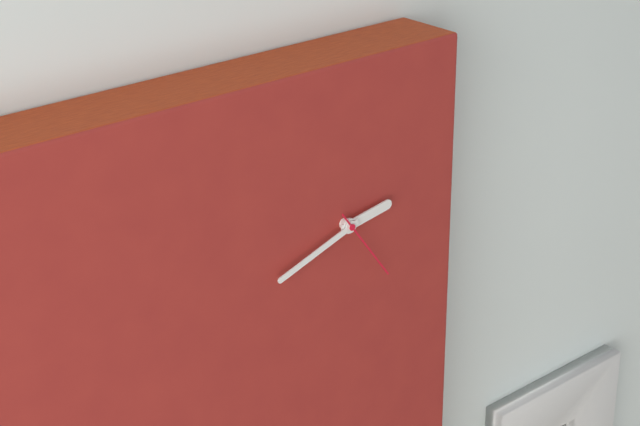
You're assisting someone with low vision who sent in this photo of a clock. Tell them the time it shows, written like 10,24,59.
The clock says 2,42,24
